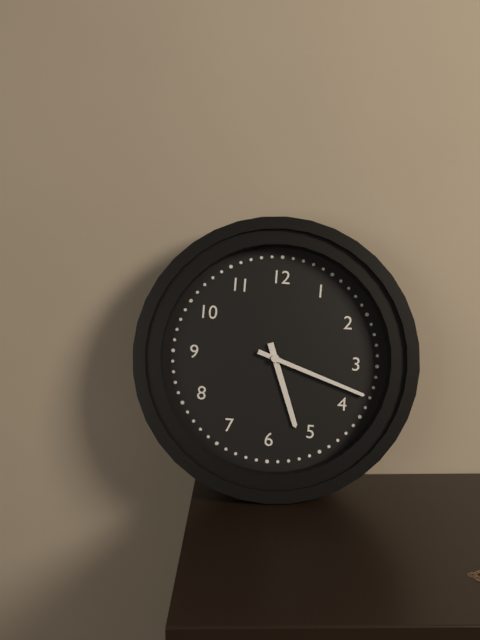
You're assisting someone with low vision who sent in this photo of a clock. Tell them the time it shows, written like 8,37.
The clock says 5,18
